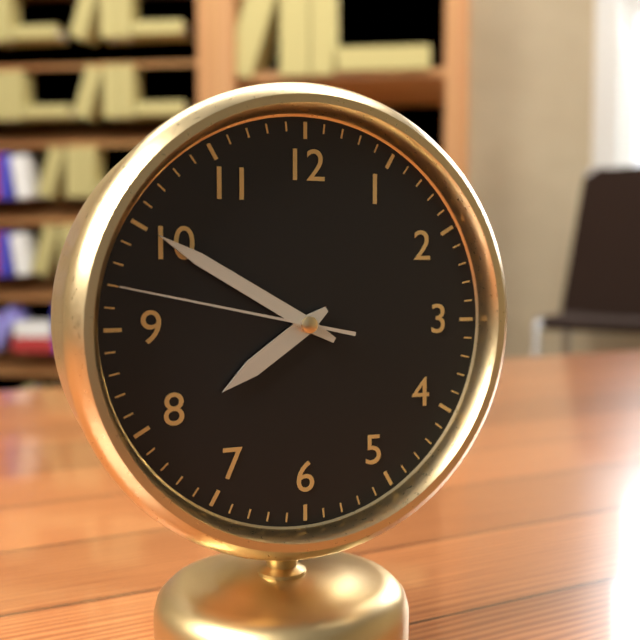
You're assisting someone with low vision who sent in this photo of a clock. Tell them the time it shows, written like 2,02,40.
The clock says 7,50,47
